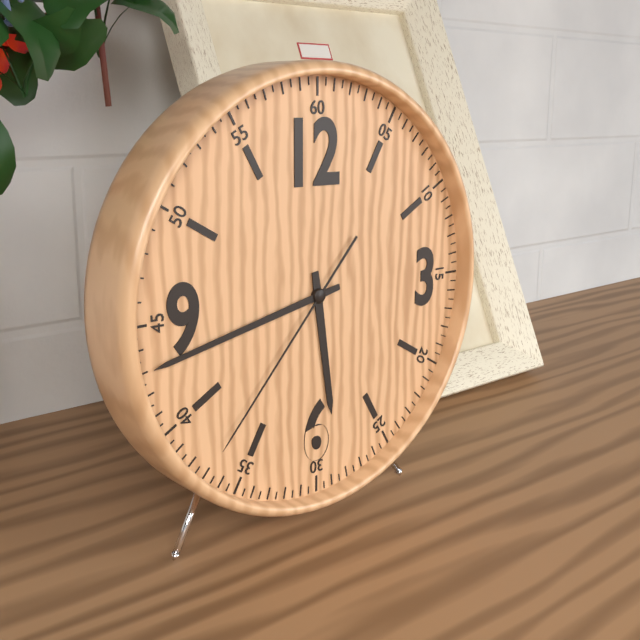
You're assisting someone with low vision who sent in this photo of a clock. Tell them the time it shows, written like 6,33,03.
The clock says 5,43,37
